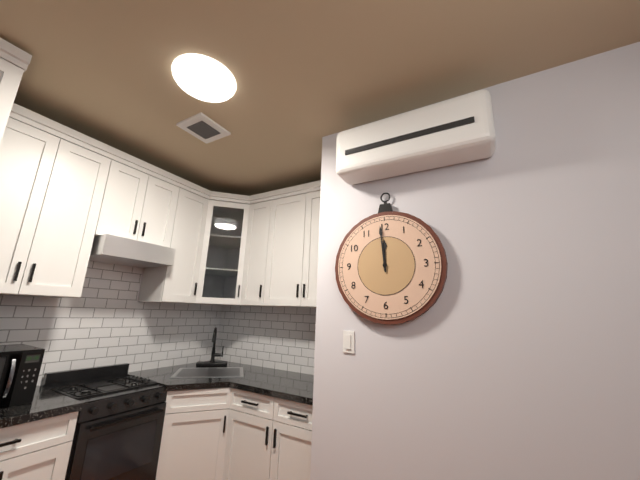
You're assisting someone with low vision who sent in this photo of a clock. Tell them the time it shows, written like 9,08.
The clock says 11,59
